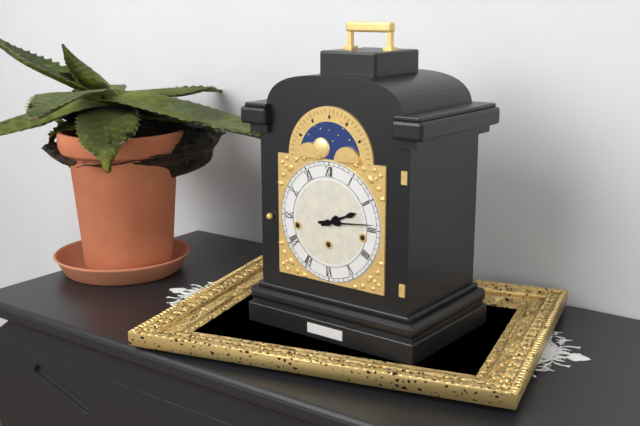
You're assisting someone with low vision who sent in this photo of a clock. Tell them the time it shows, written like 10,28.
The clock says 2,14
